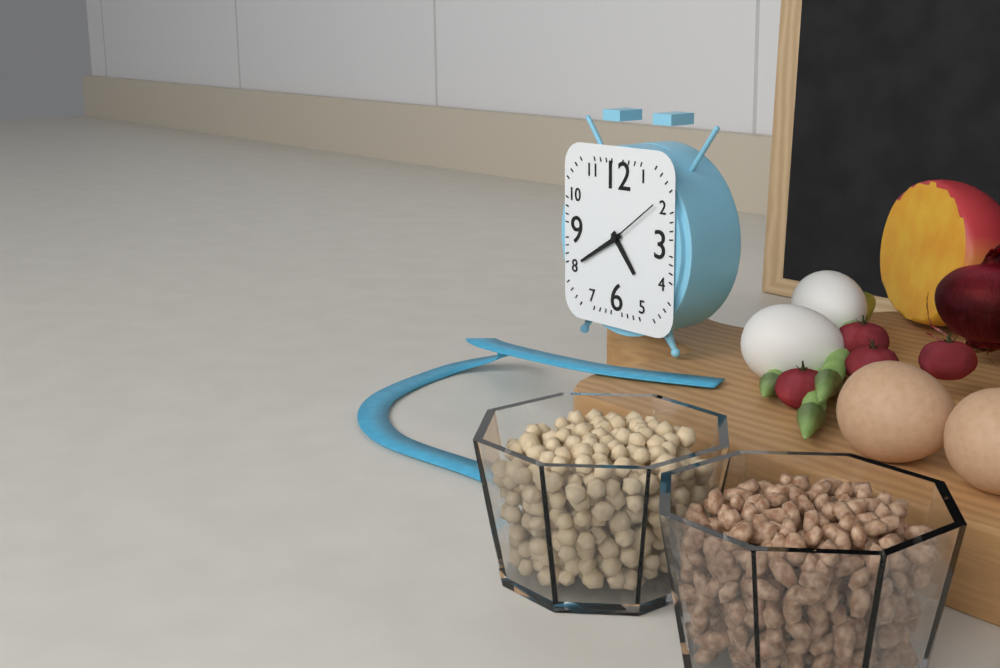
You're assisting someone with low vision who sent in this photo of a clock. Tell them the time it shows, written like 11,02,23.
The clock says 4,40,09
